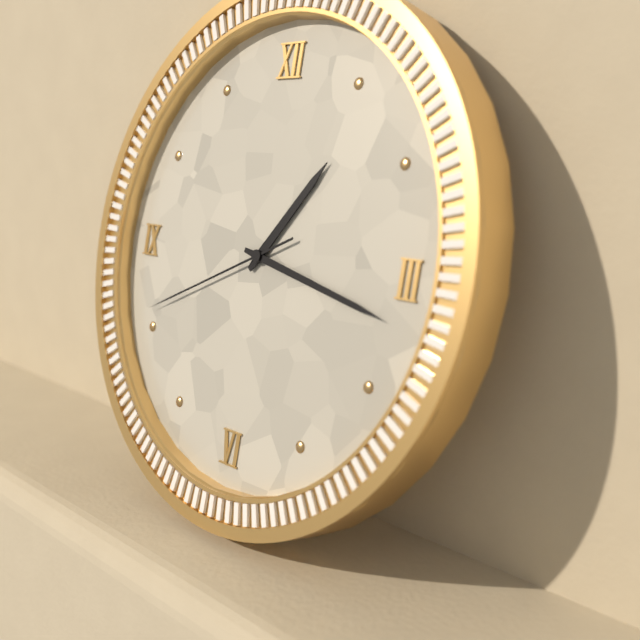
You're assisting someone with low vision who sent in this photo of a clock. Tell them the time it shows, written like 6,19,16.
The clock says 1,17,41
